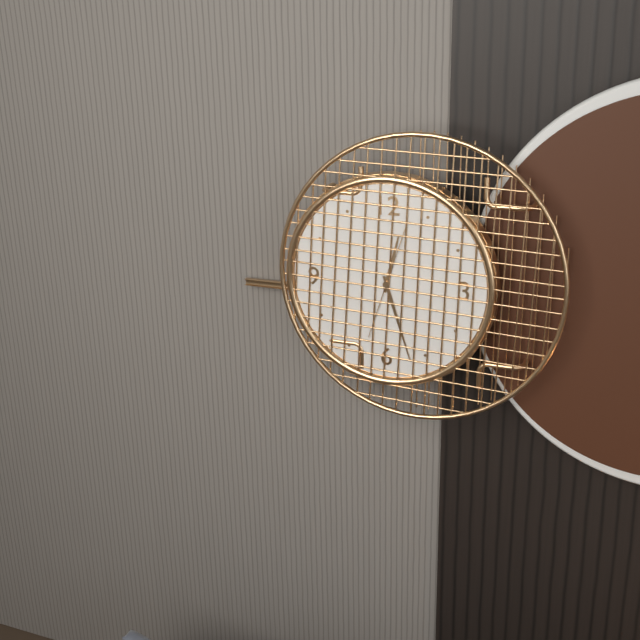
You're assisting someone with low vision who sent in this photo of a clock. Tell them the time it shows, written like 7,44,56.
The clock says 12,27,03
